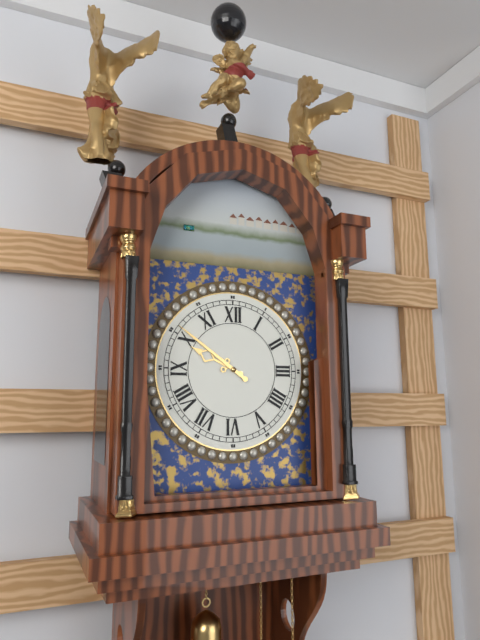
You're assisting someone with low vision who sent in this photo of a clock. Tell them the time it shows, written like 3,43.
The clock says 9,51
